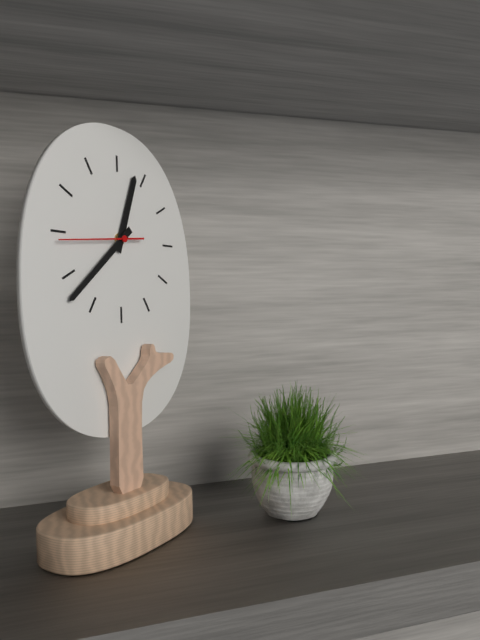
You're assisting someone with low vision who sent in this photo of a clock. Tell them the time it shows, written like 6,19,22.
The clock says 12,38,44
